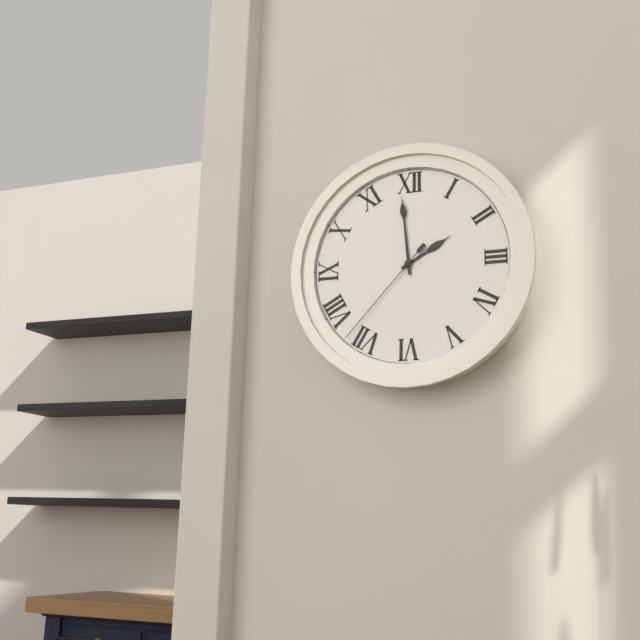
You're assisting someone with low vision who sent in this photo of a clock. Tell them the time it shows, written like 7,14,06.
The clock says 1,59,37
